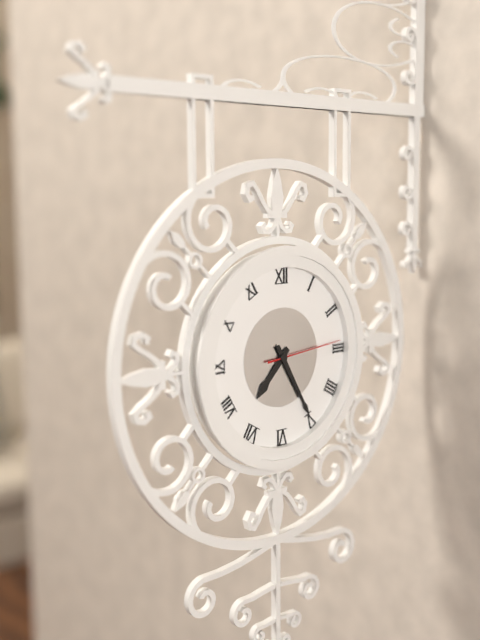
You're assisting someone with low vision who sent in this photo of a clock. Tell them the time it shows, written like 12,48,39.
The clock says 7,25,14
